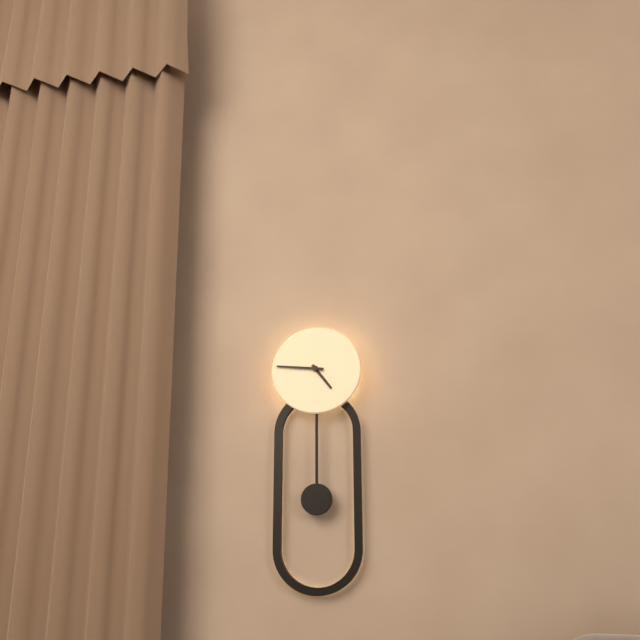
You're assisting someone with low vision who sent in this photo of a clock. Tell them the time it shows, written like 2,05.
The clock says 4,46
